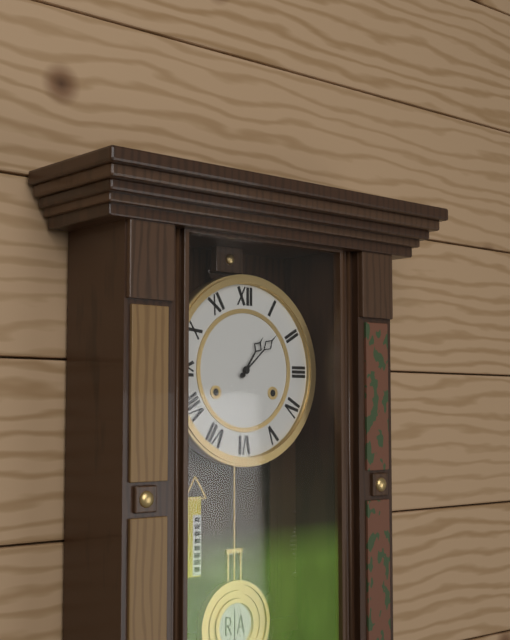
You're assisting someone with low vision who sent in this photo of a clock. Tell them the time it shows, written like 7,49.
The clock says 1,08
